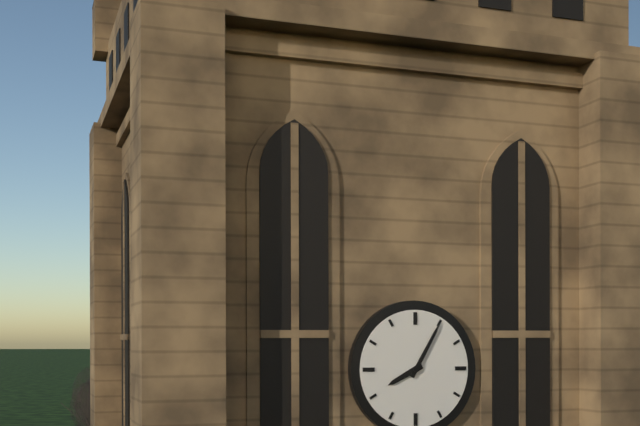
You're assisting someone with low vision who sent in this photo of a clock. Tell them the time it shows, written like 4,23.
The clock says 8,05
